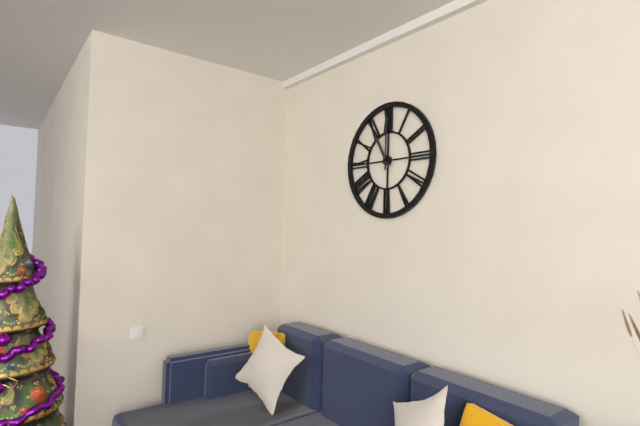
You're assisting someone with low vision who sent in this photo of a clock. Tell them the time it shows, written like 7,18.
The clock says 11,00
